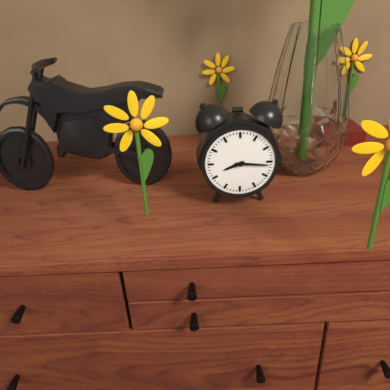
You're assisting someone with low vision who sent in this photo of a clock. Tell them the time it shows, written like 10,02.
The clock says 8,16
